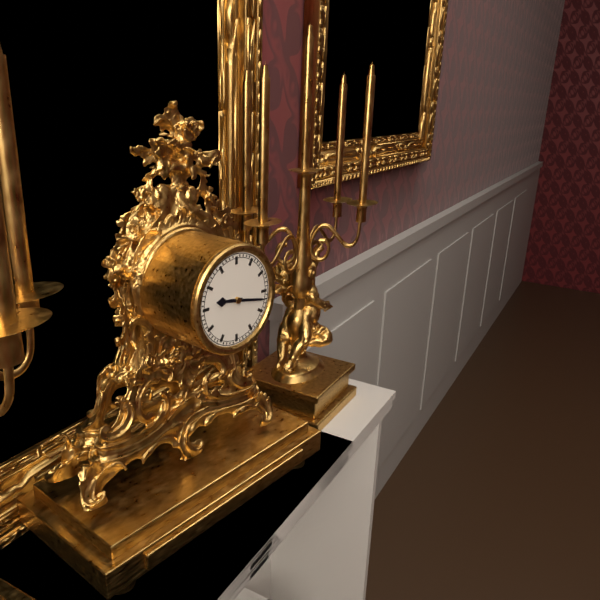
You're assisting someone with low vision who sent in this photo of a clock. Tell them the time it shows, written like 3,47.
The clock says 9,17
